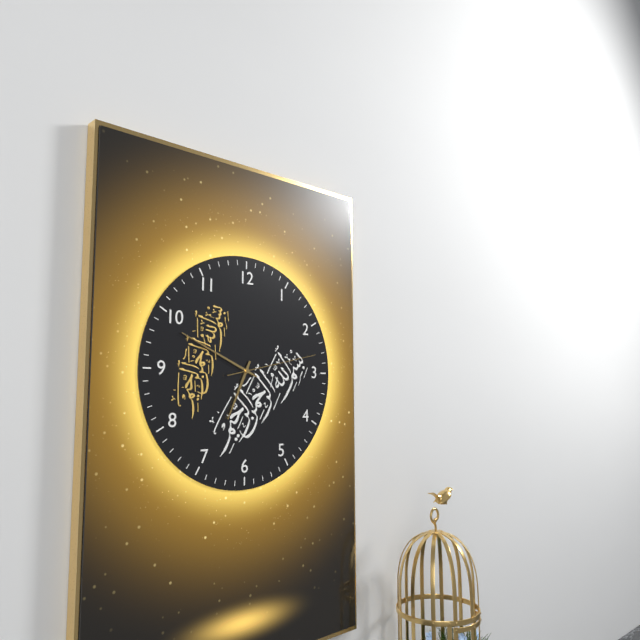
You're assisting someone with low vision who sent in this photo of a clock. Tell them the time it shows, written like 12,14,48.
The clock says 6,49,13
